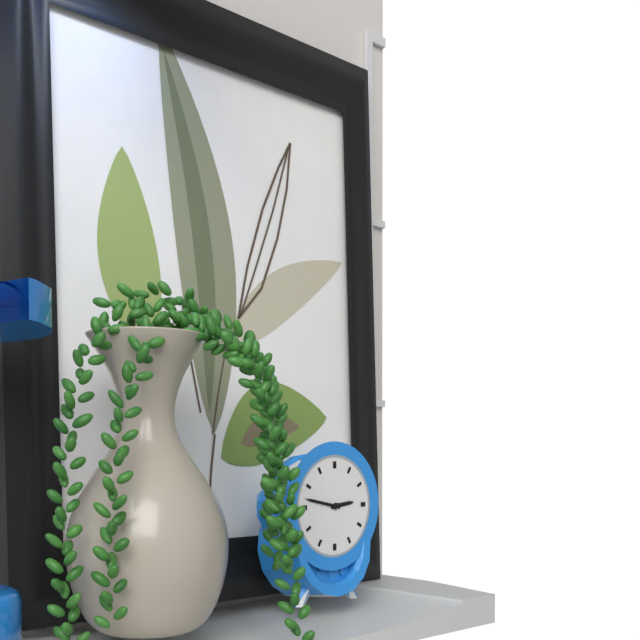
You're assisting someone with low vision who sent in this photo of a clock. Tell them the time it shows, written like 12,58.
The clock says 2,47
